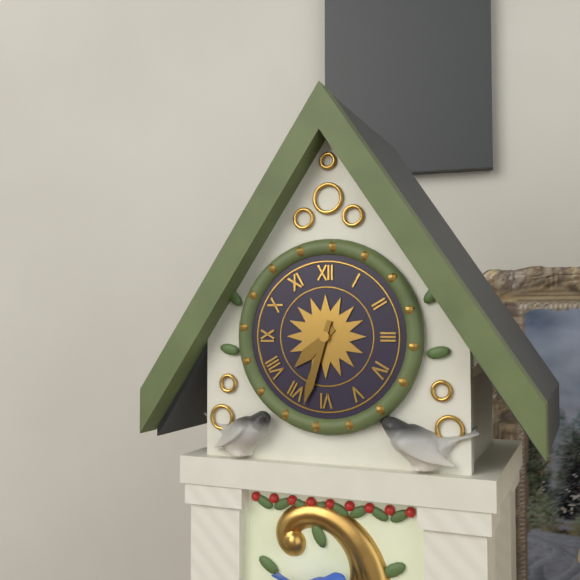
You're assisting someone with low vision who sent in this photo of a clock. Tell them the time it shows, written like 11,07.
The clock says 7,33
